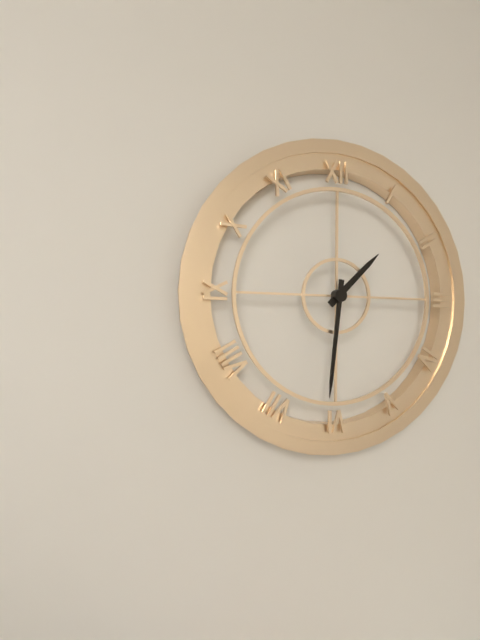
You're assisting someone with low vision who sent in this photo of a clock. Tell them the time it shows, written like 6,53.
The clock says 1,31
